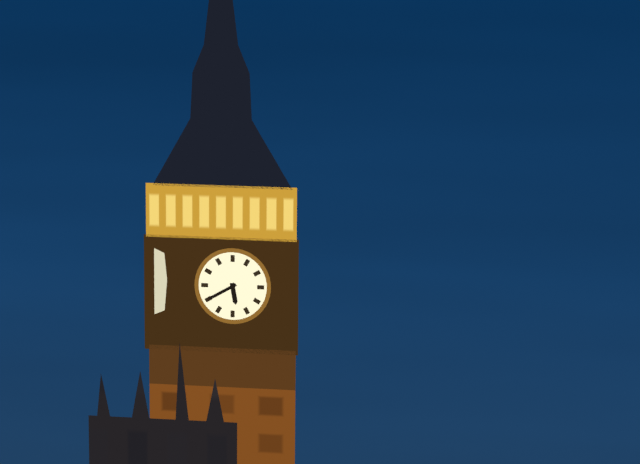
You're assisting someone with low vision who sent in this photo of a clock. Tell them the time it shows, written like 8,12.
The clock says 5,40
